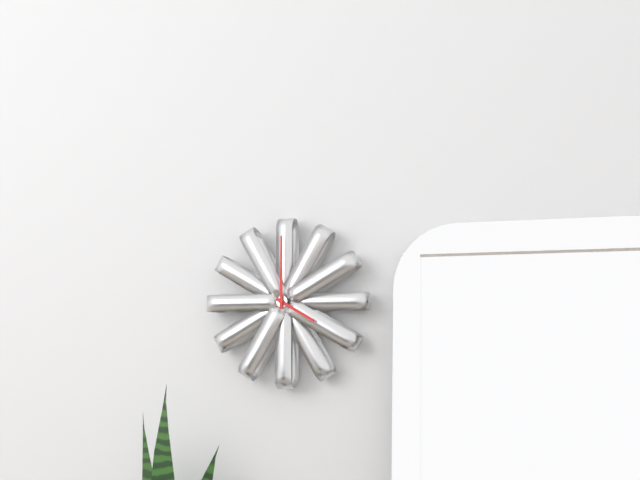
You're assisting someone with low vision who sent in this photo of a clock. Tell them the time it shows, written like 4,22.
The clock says 4,00
